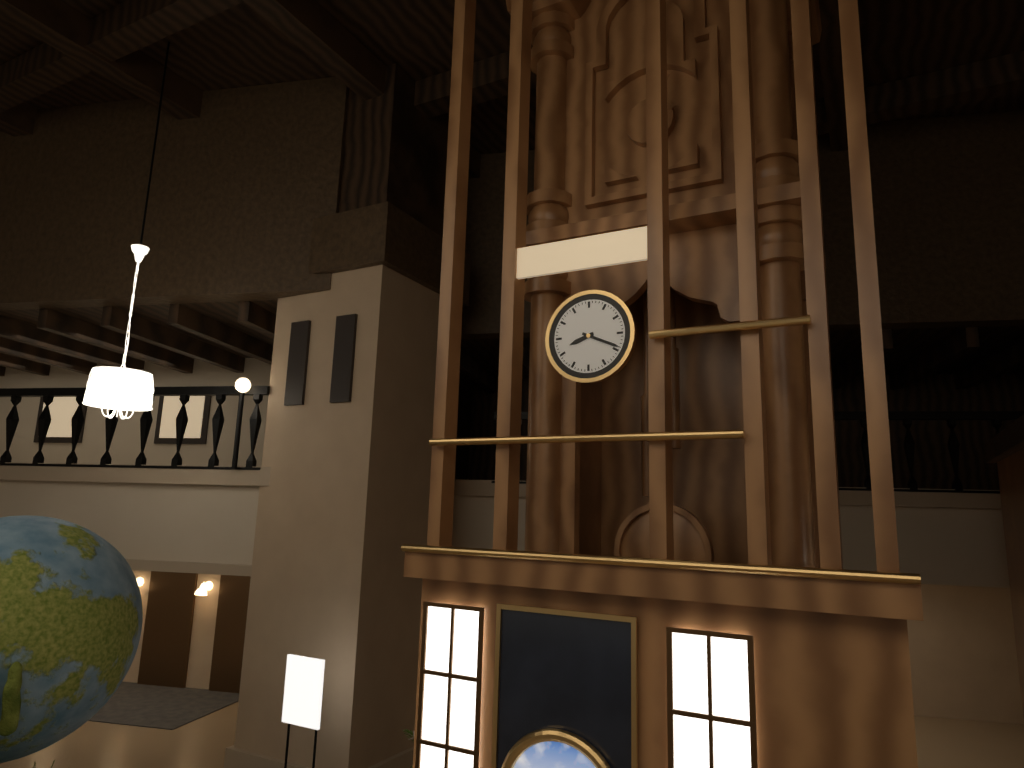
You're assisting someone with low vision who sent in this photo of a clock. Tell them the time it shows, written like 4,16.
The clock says 8,19
